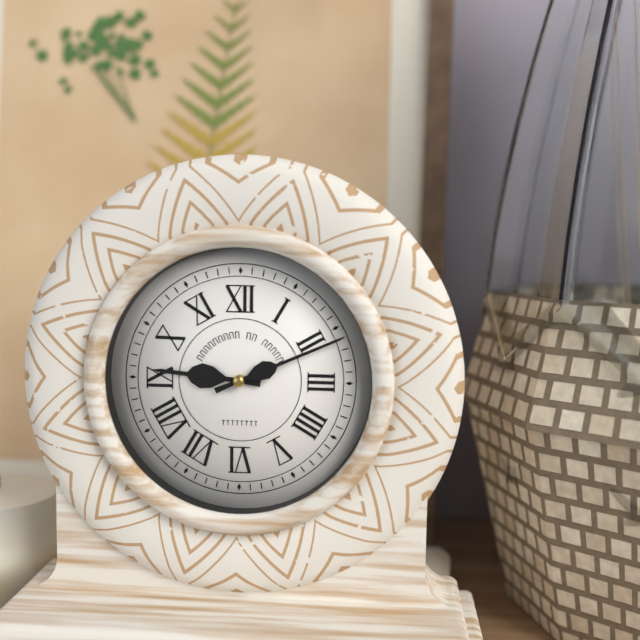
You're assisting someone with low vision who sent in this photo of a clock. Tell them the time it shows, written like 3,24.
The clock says 9,11
